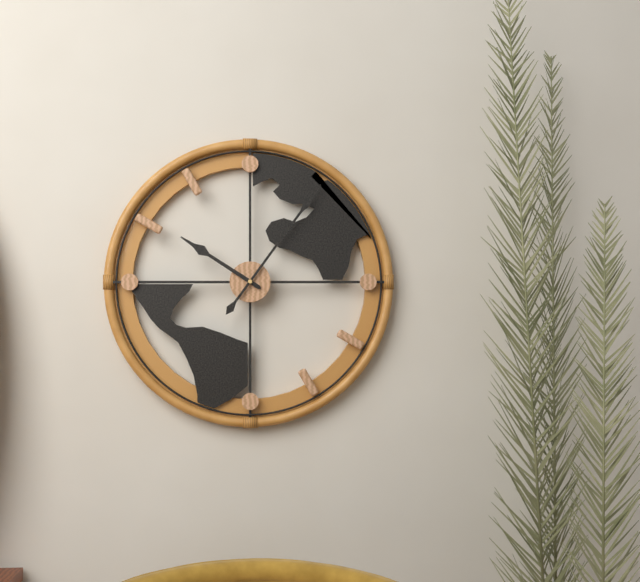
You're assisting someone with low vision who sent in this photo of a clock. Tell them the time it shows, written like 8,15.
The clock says 10,06
